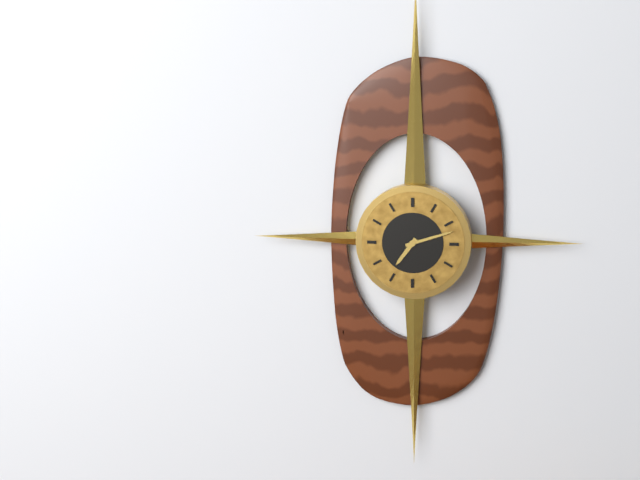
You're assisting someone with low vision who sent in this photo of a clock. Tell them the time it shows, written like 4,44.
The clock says 7,12
